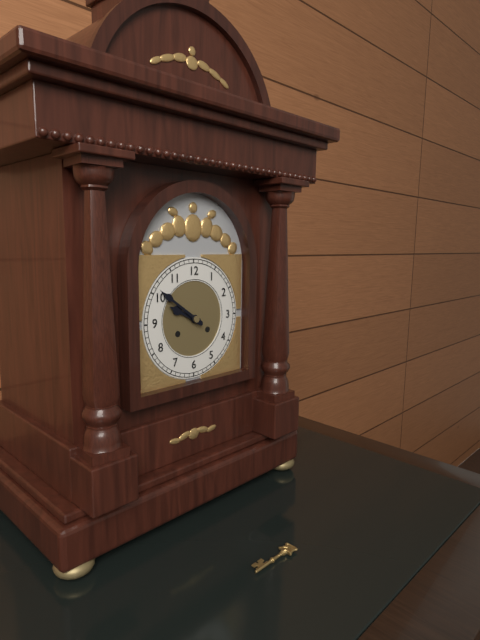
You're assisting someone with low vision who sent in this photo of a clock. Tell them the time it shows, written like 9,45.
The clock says 9,51
